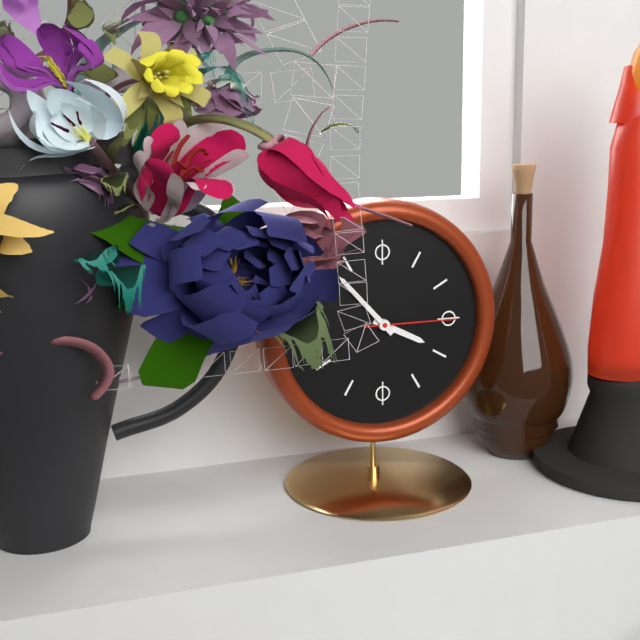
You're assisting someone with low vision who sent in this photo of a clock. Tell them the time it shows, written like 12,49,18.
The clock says 3,53,15
